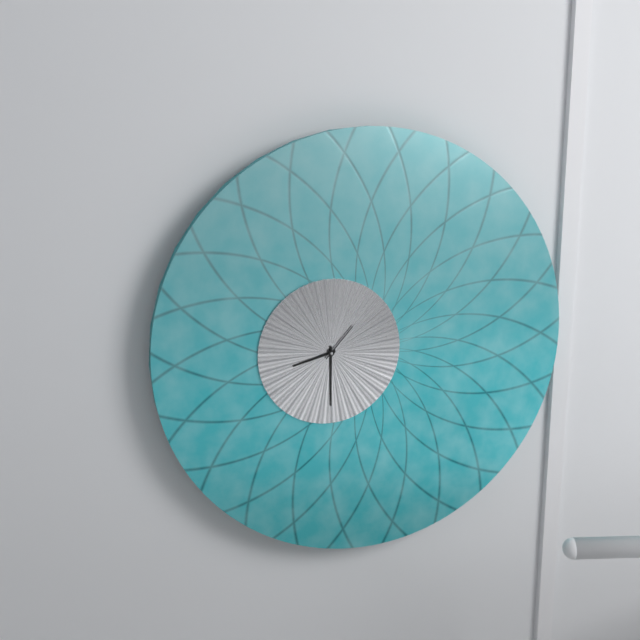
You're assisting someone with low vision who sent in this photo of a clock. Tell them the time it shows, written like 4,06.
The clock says 8,30
